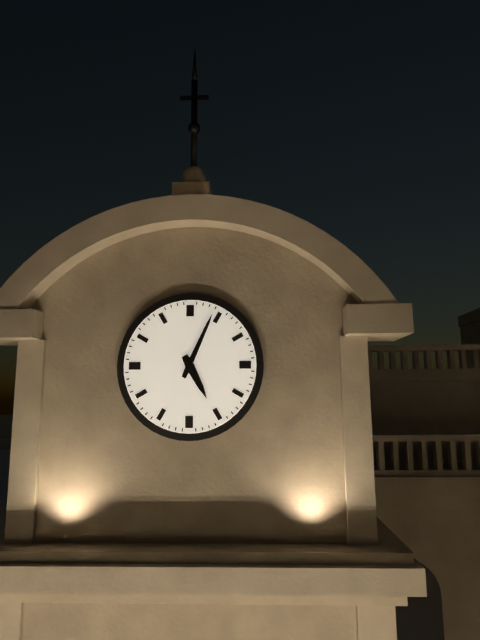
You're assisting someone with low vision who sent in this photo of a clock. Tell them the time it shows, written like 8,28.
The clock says 5,04
